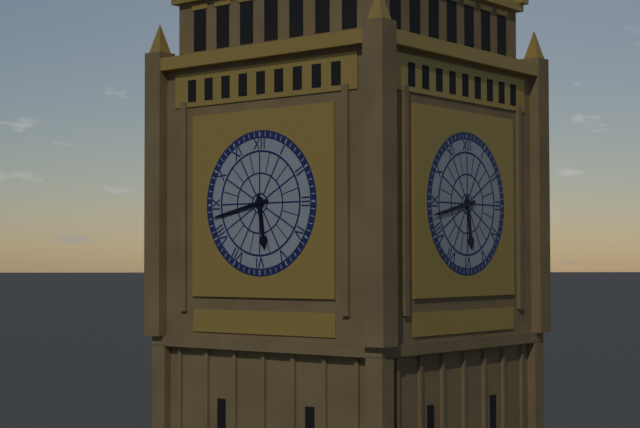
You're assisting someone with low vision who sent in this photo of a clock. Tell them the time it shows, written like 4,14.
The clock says 5,43
